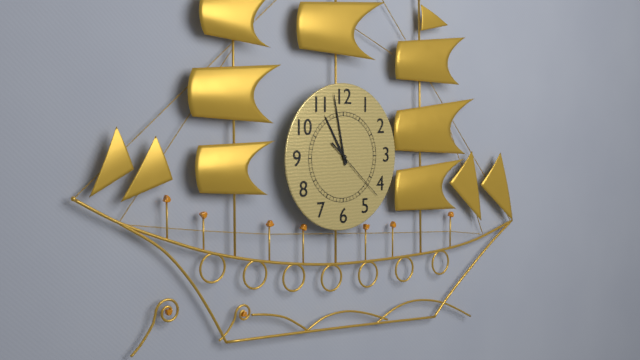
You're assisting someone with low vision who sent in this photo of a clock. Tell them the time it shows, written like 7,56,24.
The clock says 10,58,22
